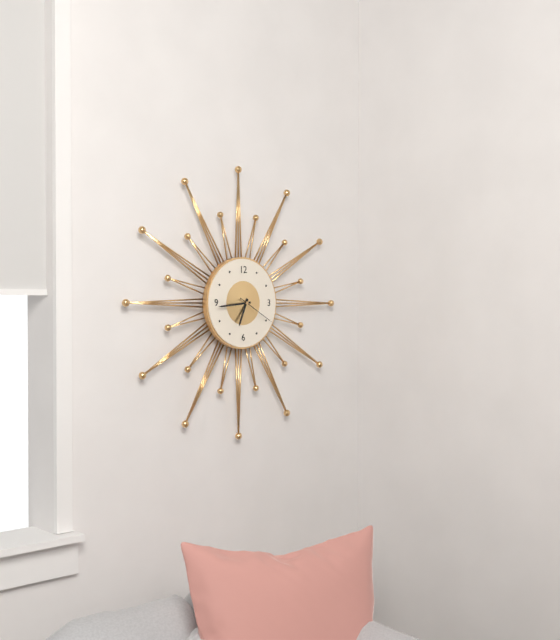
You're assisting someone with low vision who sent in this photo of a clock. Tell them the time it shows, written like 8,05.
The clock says 6,44
